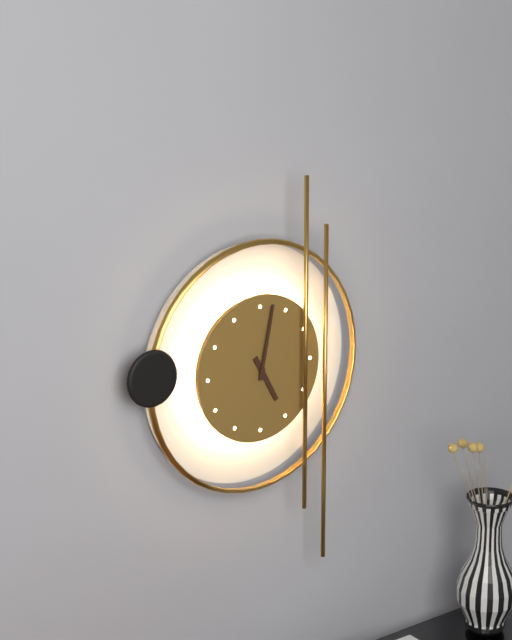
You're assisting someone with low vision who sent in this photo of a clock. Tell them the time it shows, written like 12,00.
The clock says 5,02
